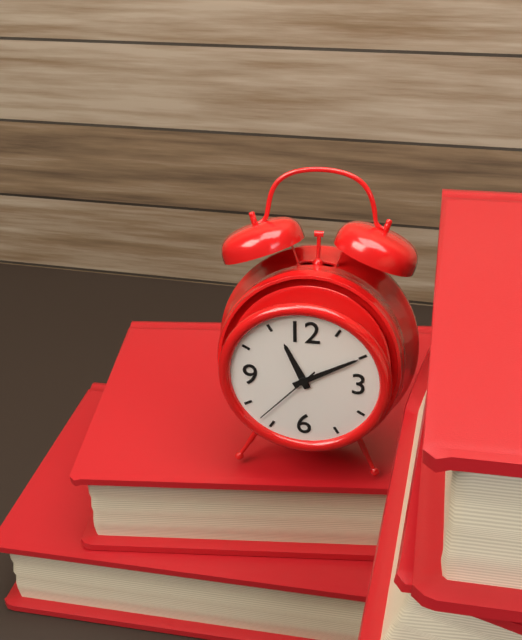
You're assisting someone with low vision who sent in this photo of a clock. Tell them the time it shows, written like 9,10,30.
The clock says 11,10,37
